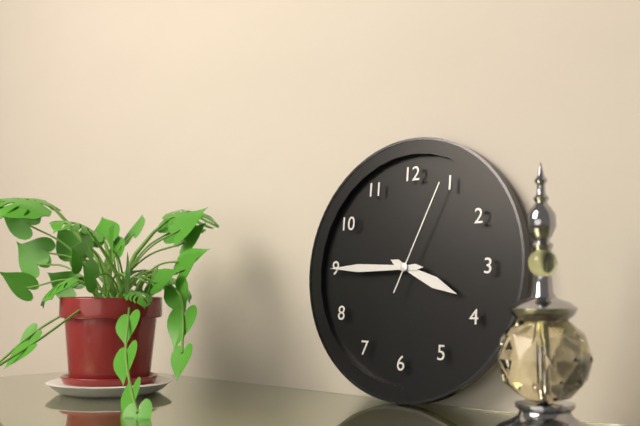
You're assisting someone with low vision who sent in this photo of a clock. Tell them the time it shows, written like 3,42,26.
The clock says 3,45,04
